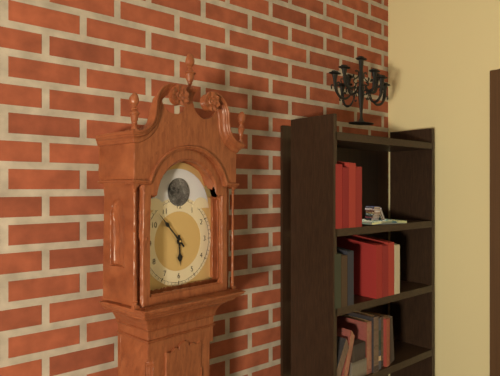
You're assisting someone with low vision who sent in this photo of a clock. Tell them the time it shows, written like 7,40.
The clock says 5,53
